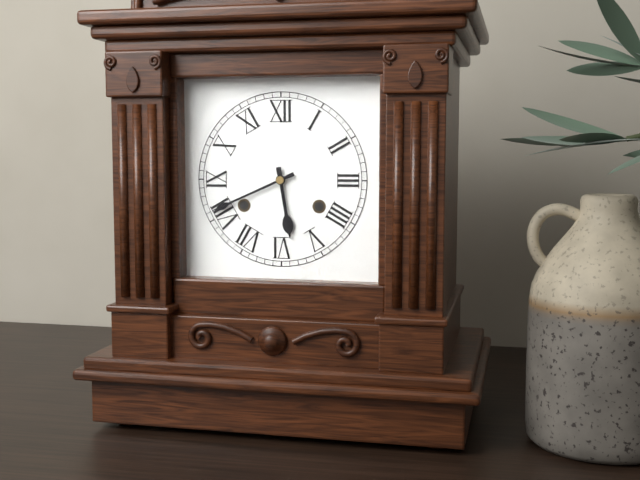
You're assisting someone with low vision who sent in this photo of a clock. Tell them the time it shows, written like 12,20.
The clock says 5,41
